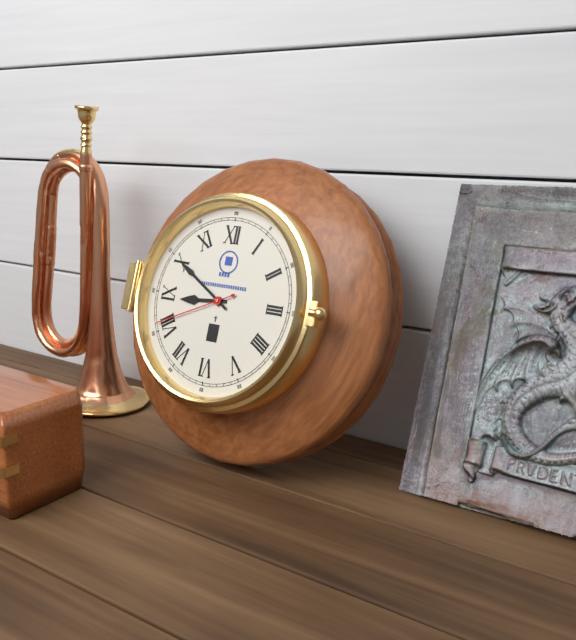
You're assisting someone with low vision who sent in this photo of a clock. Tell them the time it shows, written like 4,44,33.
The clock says 8,50,41
